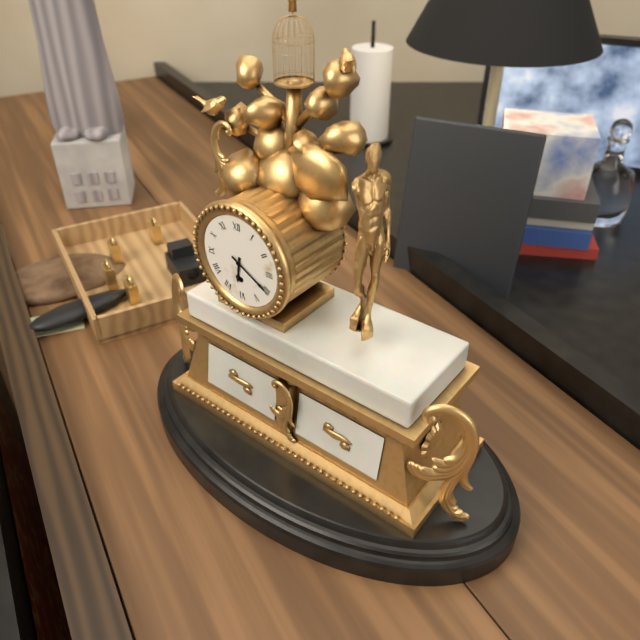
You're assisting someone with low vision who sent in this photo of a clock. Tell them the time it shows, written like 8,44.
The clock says 6,20
